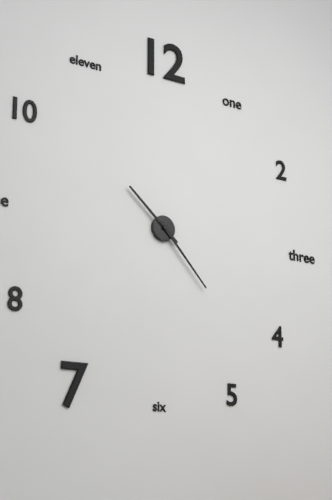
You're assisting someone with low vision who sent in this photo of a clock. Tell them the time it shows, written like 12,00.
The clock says 10,23
